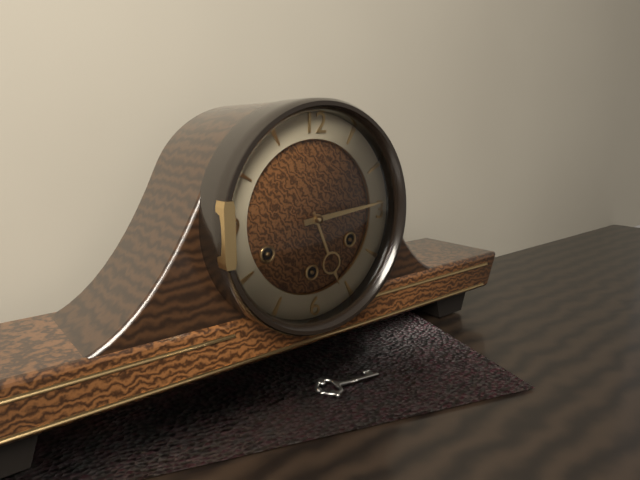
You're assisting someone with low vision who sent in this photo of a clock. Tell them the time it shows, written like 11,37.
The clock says 5,14
